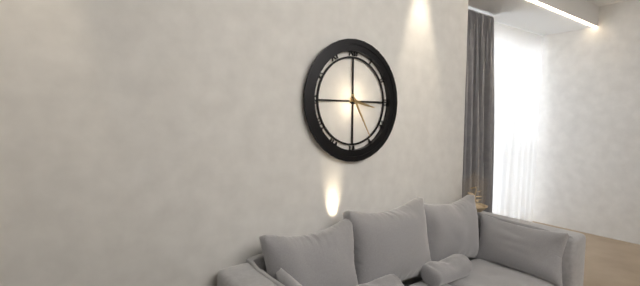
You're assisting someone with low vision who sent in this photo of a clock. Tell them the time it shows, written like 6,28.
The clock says 3,25
